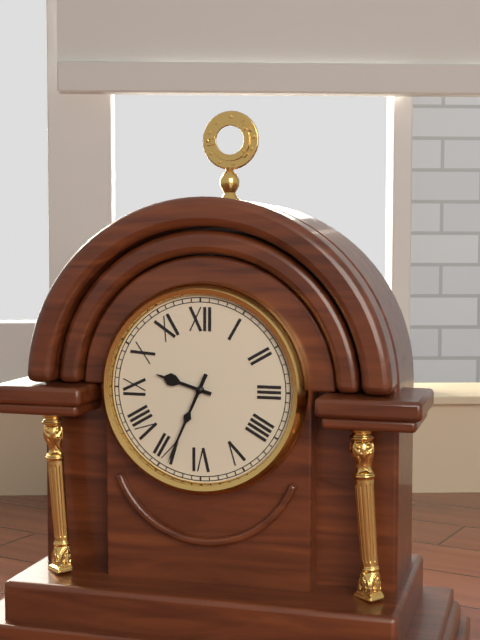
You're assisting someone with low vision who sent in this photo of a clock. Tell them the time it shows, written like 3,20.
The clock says 9,34
